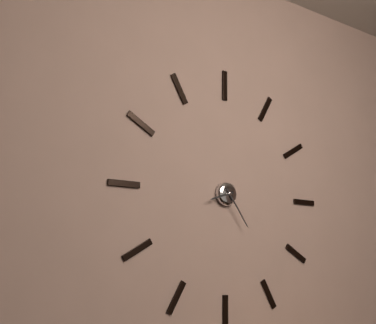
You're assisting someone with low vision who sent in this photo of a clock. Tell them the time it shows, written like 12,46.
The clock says 8,24
